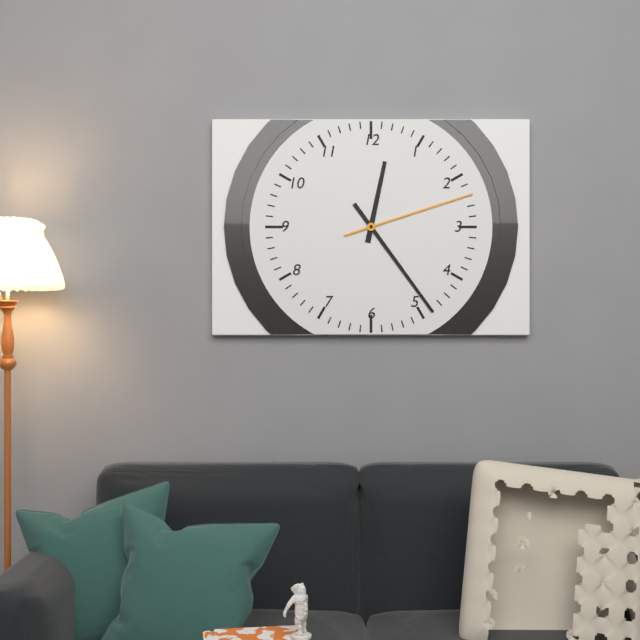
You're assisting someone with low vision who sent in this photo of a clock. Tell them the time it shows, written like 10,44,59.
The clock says 12,24,12
